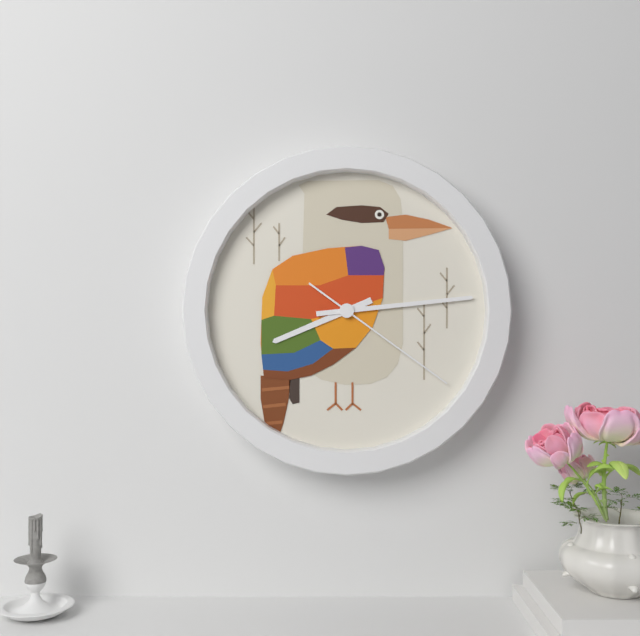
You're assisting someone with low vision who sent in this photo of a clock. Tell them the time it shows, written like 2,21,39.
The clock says 8,14,21
